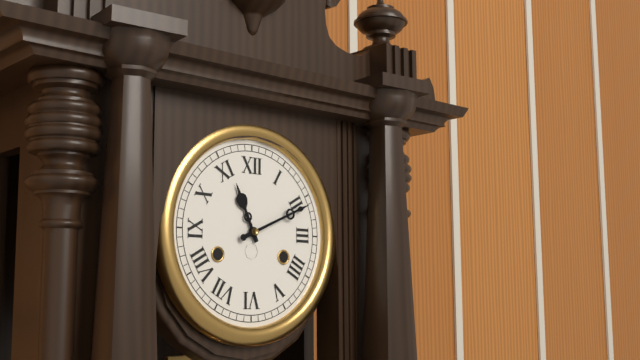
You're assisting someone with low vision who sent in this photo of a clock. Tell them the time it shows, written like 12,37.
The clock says 11,11
